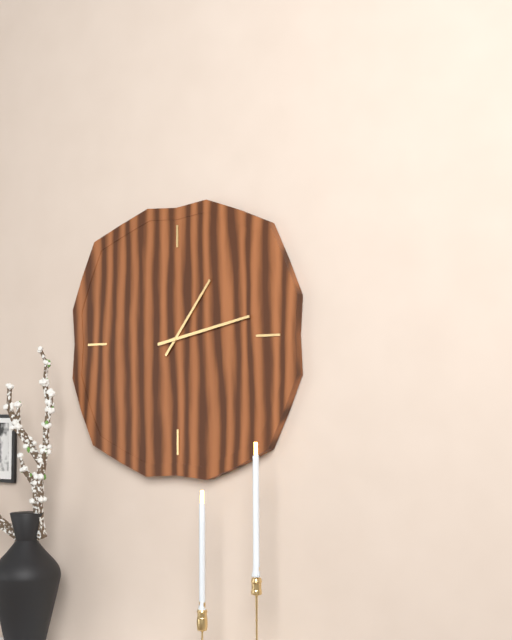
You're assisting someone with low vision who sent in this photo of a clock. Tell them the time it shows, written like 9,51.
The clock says 1,13
